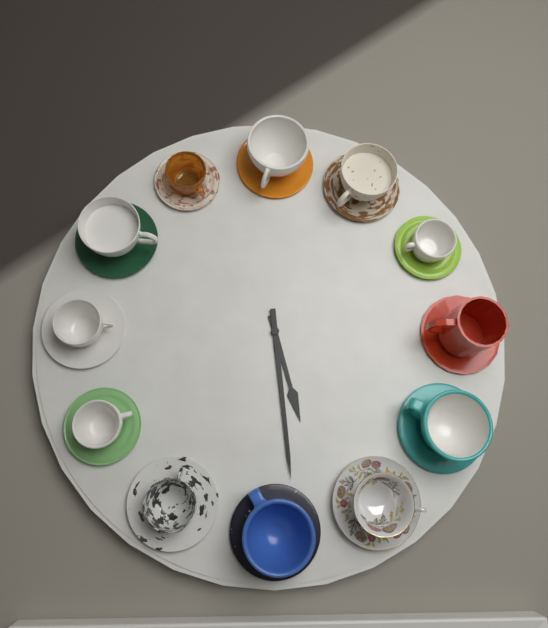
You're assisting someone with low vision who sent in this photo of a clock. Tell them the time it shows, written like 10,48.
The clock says 5,29
